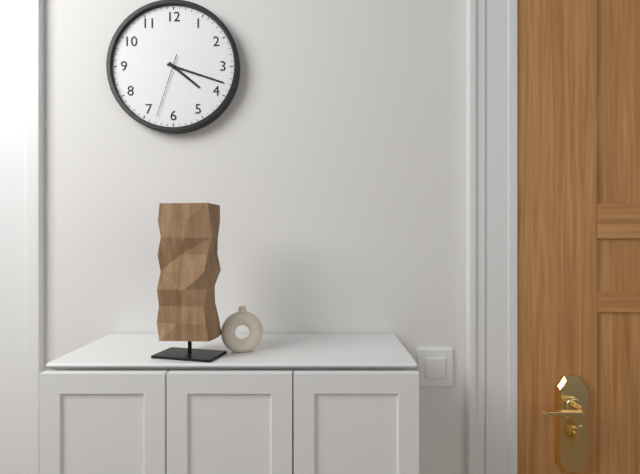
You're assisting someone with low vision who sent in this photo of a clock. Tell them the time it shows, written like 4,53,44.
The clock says 4,18,33
